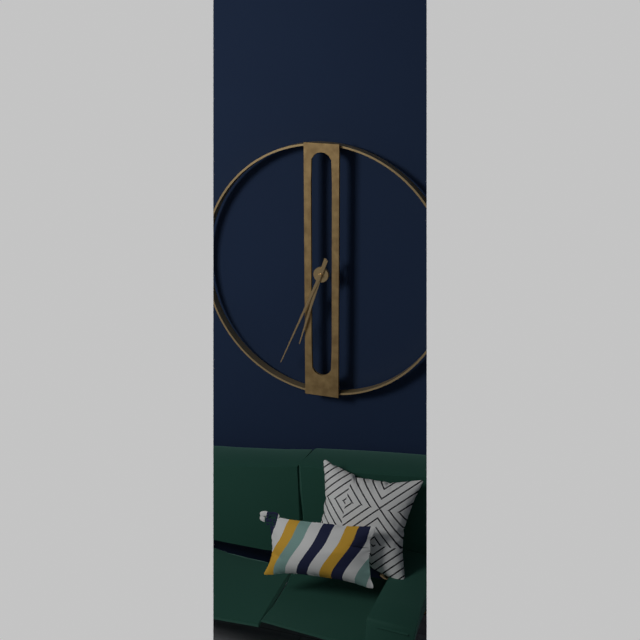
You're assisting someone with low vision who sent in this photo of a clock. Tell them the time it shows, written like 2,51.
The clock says 6,34
